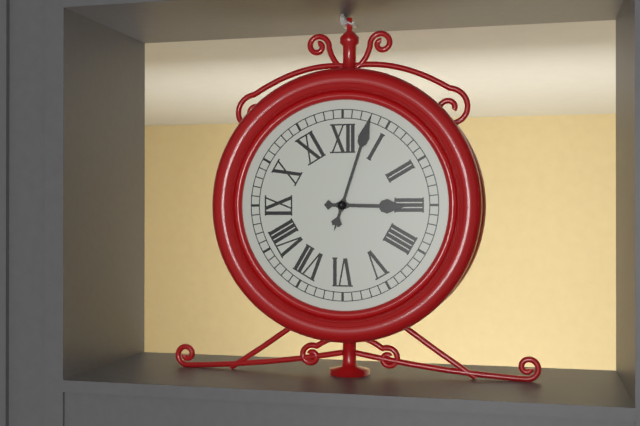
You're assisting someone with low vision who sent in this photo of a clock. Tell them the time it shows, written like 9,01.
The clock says 3,03
